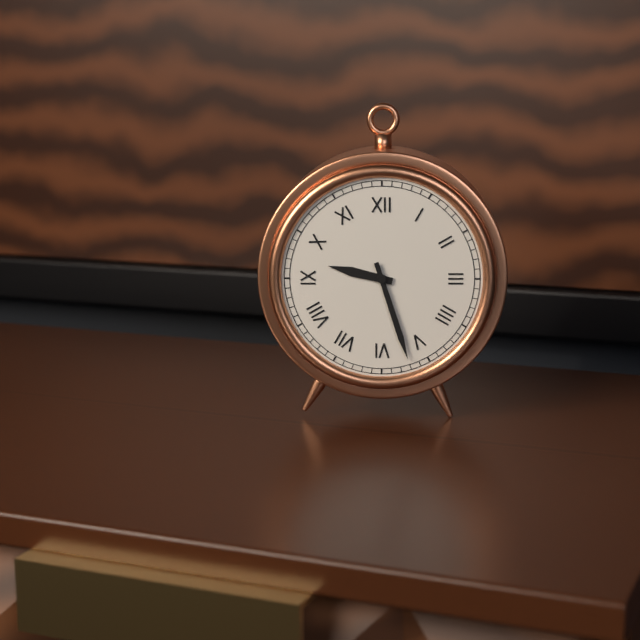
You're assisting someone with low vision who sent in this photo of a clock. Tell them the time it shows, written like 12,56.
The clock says 9,27
